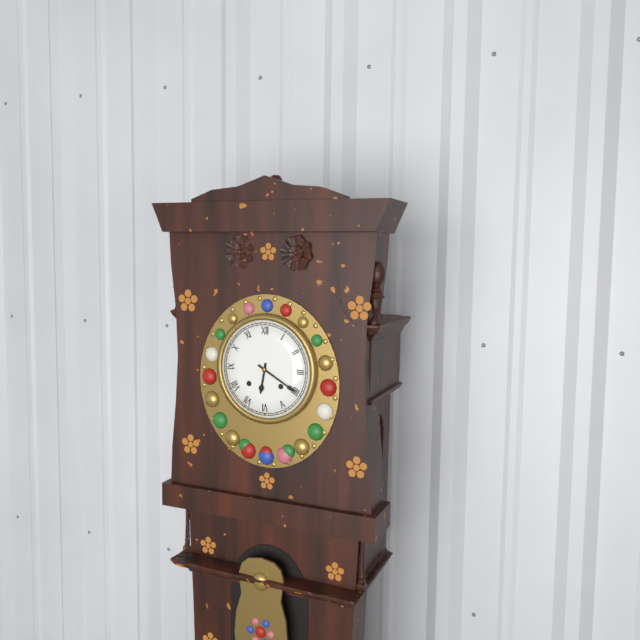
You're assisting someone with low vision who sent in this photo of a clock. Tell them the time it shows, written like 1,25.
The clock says 6,20
